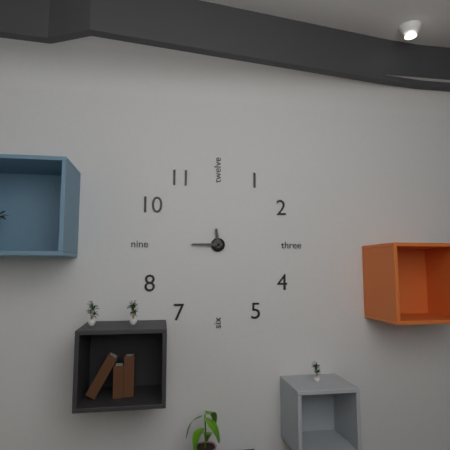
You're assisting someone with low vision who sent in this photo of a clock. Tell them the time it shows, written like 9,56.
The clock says 11,45
